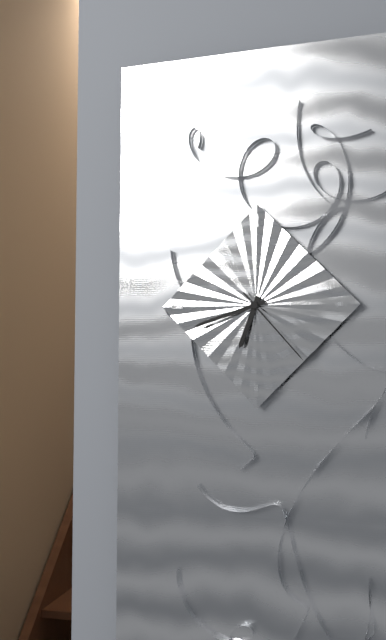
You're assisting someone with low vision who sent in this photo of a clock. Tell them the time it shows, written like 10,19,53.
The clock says 6,42,23
